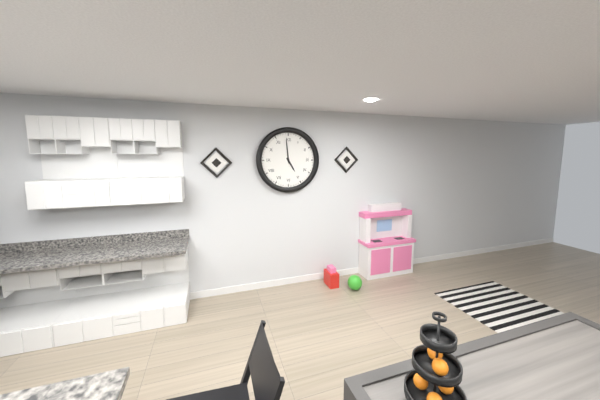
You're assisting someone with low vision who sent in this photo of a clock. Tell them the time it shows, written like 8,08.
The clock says 4,59
